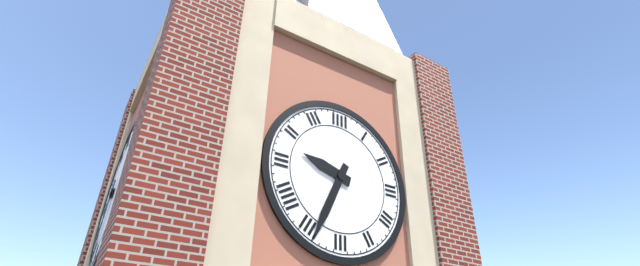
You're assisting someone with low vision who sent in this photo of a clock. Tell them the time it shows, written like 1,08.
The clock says 9,34
